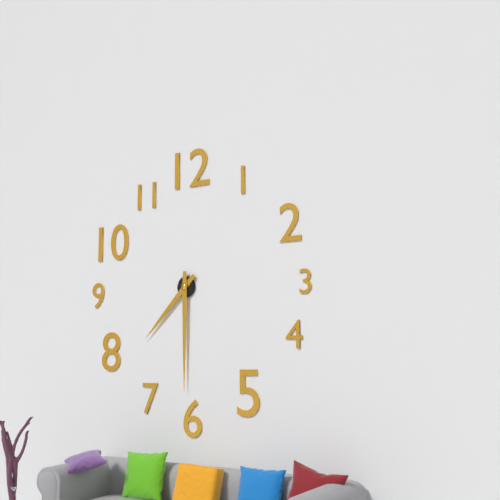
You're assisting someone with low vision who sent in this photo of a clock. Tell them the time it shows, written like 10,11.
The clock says 7,30
